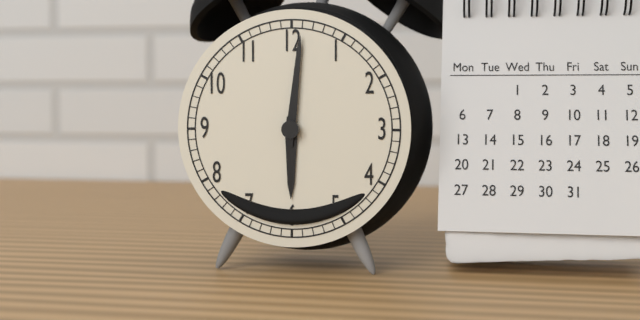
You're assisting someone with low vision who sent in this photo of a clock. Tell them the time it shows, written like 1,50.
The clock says 6,01
